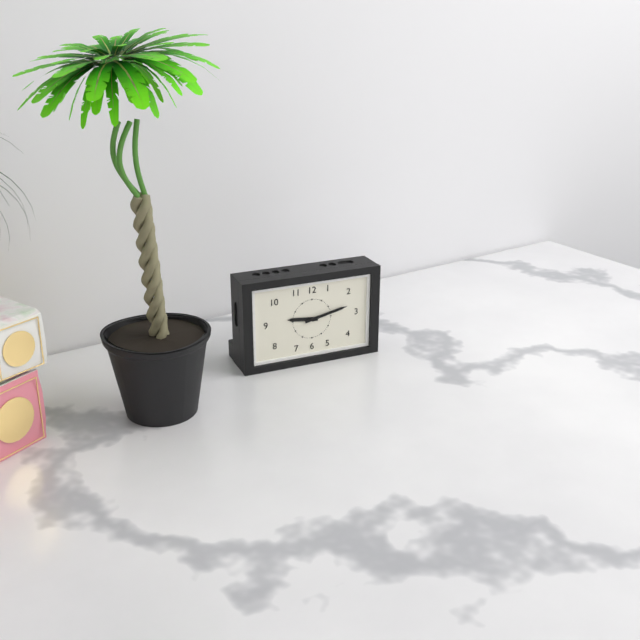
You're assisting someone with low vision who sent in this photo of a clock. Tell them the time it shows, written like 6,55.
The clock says 9,13
